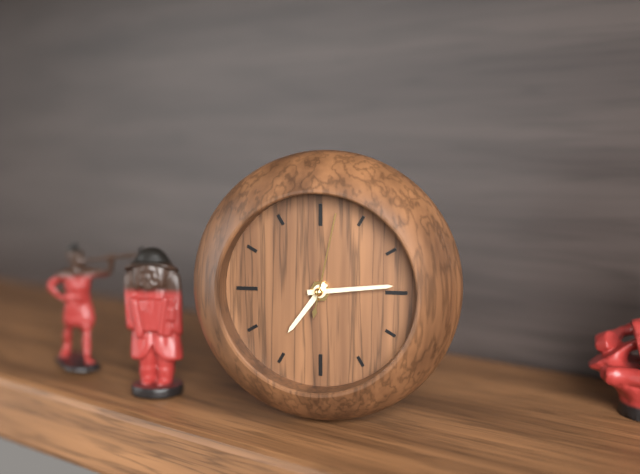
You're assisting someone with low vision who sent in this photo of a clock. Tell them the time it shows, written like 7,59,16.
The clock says 7,14,02
